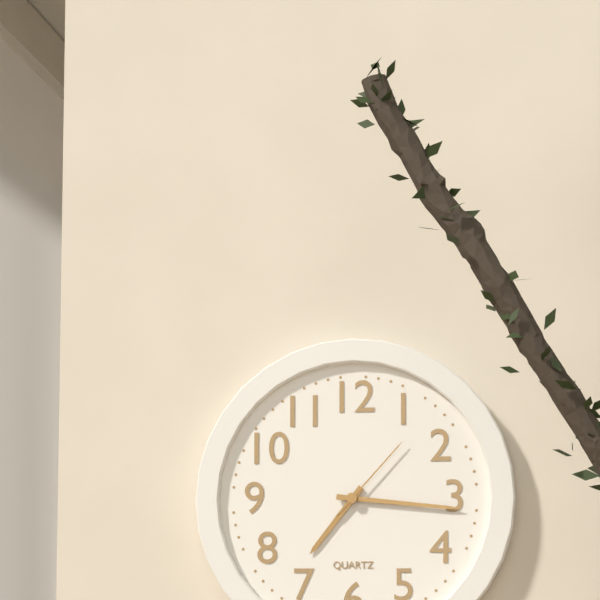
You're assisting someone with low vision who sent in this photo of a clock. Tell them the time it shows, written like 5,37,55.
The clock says 7,16,07
